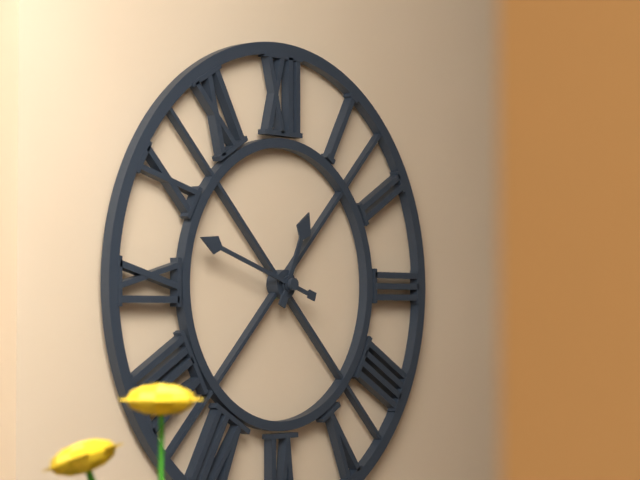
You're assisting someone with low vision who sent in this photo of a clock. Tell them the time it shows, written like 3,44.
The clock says 12,48
